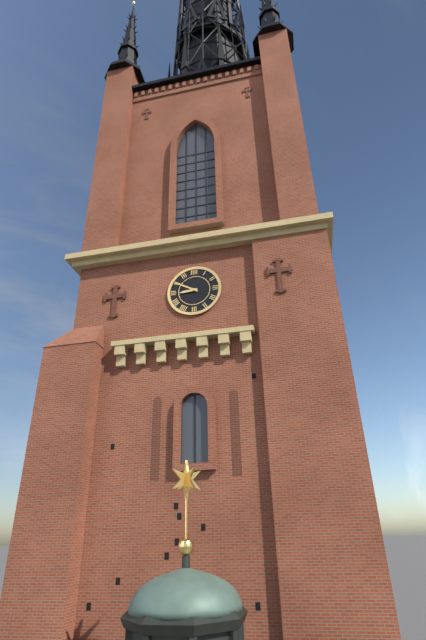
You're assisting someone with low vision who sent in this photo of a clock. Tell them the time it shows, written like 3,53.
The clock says 8,50
